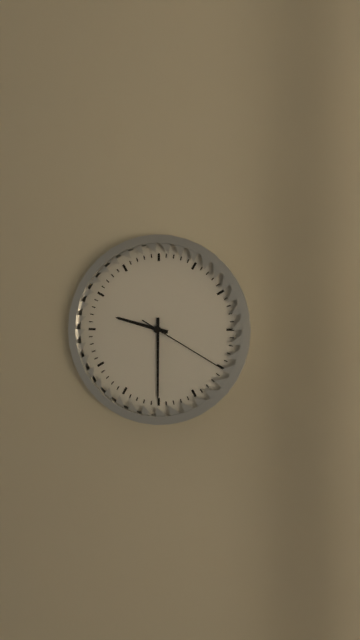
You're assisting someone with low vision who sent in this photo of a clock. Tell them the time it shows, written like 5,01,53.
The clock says 9,30,20
